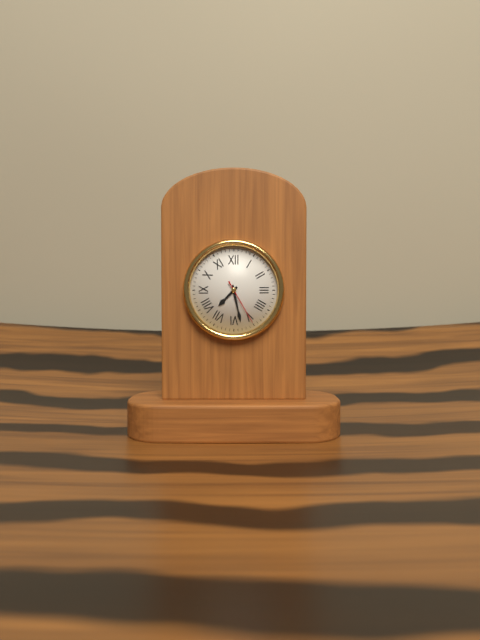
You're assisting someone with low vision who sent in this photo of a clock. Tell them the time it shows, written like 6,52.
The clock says 7,28
